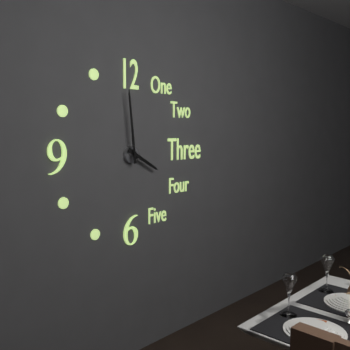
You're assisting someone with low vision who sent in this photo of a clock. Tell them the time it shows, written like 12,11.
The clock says 3,59
